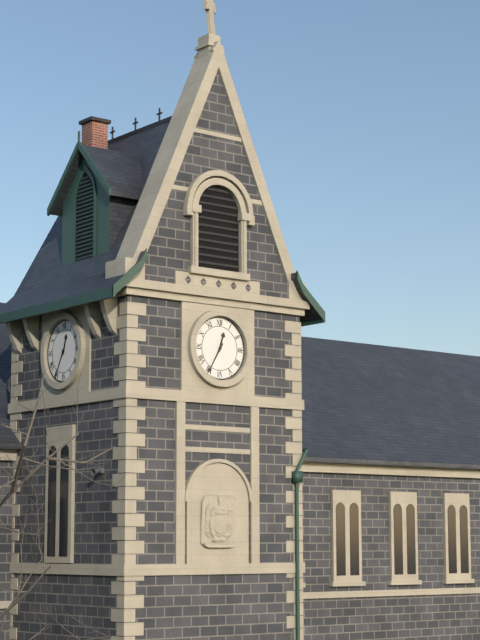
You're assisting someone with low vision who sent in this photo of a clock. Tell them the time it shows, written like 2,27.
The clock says 12,35
